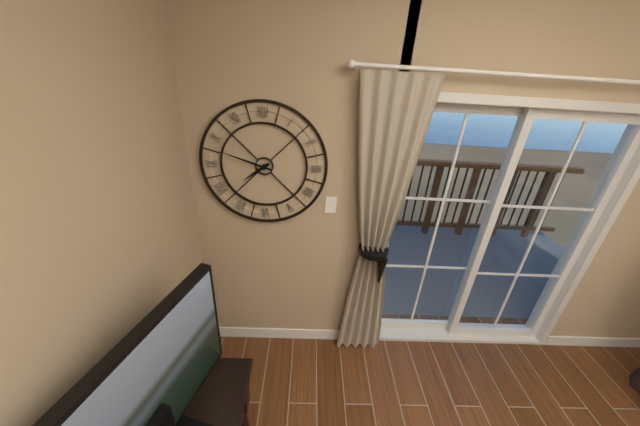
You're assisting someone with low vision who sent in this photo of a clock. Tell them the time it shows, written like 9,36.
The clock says 7,48
